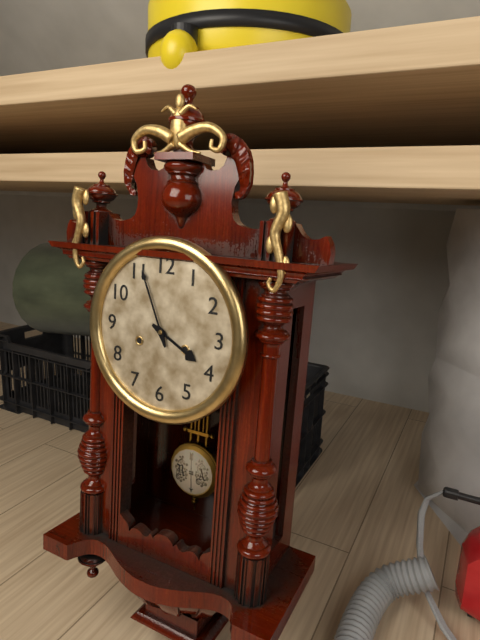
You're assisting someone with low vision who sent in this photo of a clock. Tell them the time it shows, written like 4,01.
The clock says 3,56
